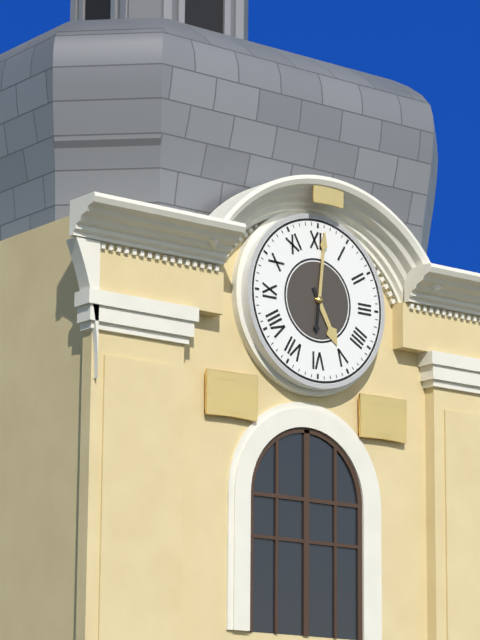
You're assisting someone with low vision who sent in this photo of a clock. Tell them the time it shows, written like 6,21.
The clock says 5,01
